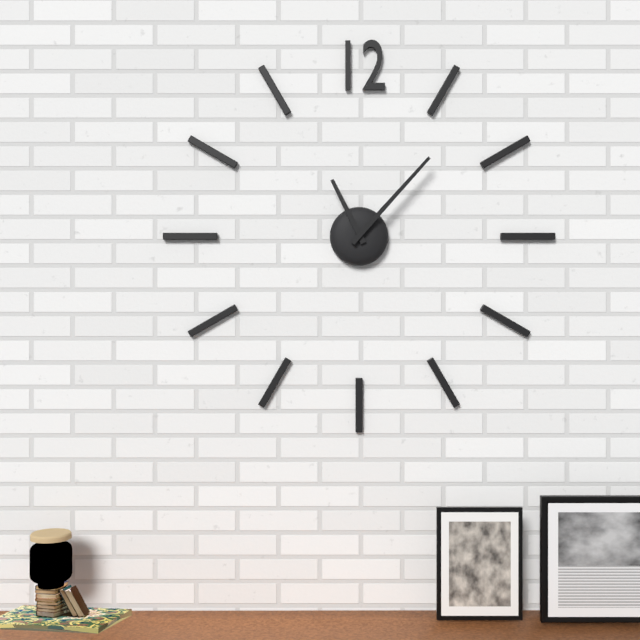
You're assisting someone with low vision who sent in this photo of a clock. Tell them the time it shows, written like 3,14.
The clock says 11,07
